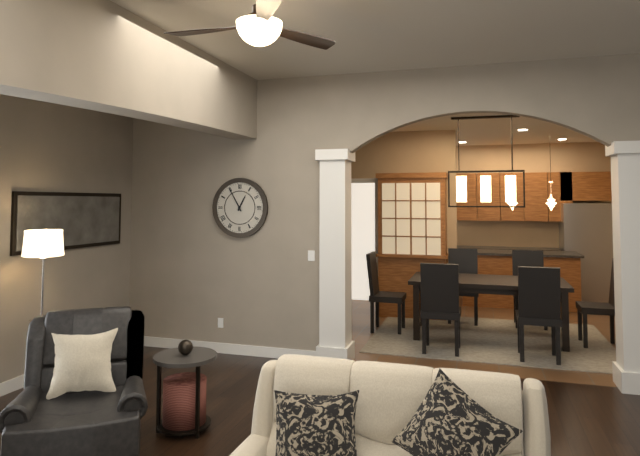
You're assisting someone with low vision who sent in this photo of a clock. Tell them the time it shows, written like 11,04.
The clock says 12,55
